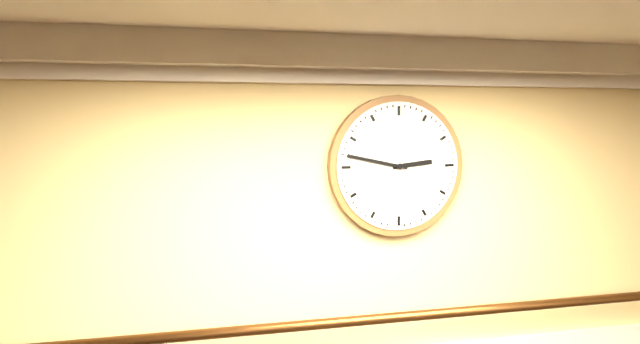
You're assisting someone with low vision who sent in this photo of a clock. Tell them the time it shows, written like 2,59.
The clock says 2,47
